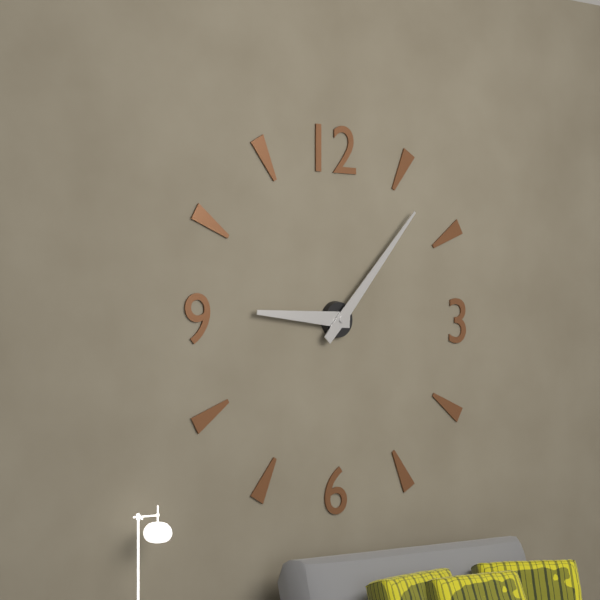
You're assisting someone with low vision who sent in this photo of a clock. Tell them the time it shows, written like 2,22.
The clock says 9,07
